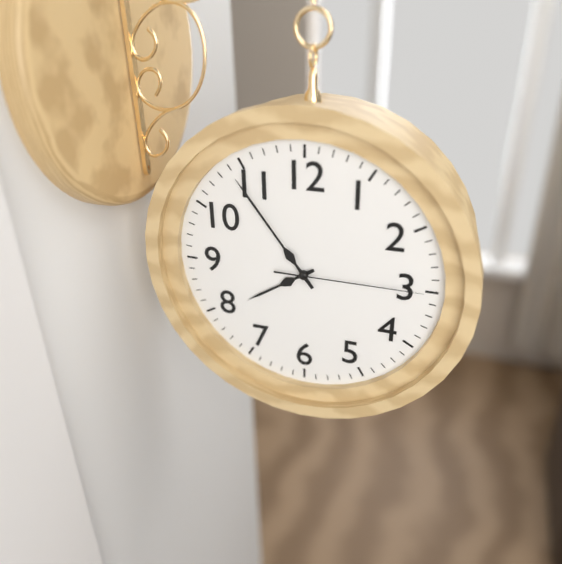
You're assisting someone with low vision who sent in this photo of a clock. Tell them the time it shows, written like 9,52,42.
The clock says 7,54,15
